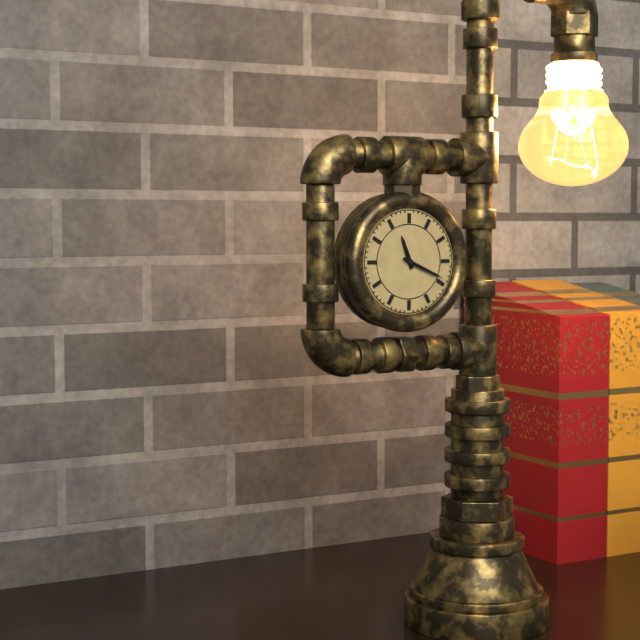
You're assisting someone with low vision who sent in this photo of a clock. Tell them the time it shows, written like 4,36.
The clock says 11,19
